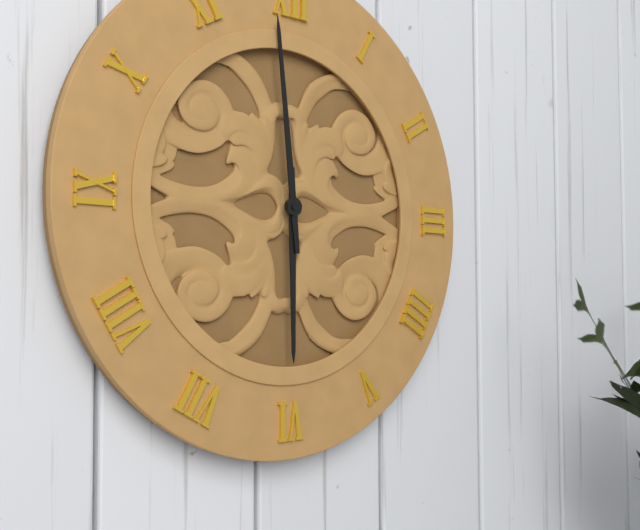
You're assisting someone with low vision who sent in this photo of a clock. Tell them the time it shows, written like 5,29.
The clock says 5,59
